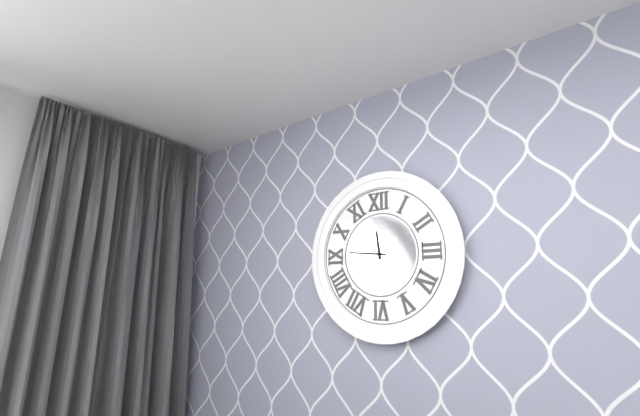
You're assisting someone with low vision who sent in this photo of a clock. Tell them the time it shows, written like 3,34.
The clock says 11,46
